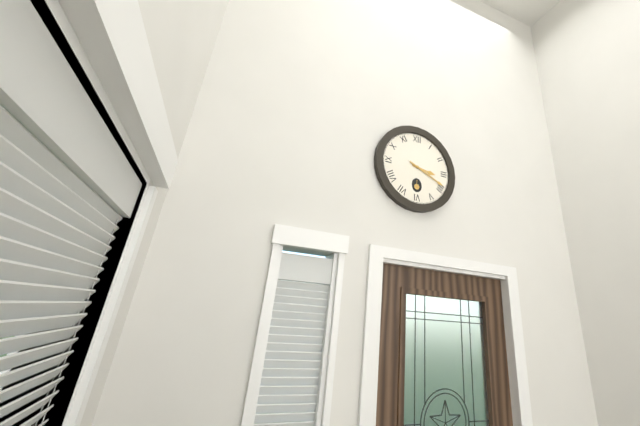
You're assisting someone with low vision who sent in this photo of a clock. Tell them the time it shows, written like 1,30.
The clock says 3,19
